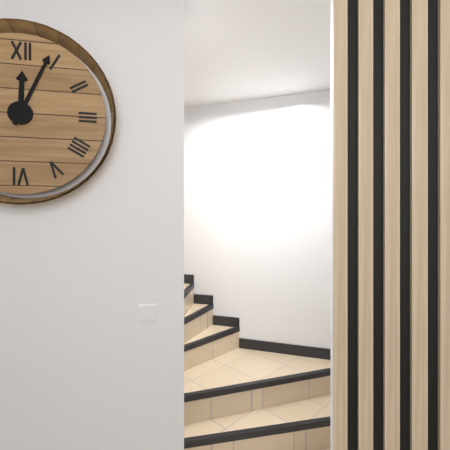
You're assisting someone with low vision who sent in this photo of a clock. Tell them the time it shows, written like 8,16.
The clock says 12,04
